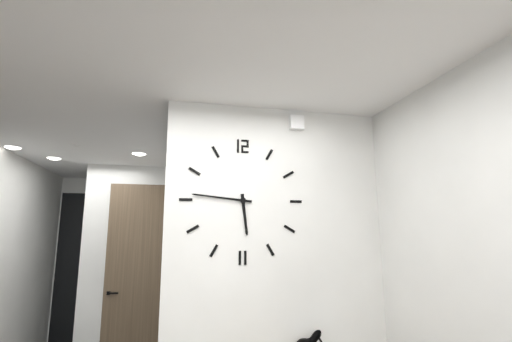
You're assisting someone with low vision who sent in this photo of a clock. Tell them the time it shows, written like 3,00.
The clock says 5,46
